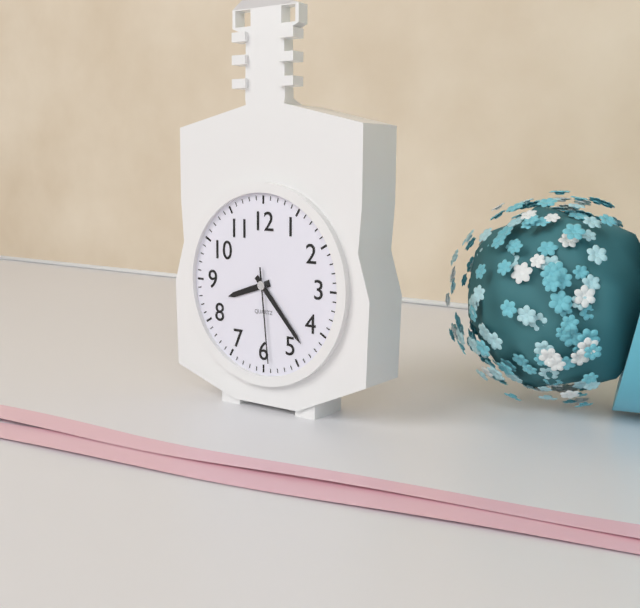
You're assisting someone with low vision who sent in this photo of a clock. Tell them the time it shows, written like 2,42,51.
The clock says 8,23,29
